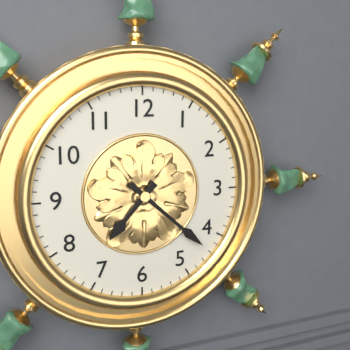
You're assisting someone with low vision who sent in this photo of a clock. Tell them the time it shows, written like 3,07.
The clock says 7,22
